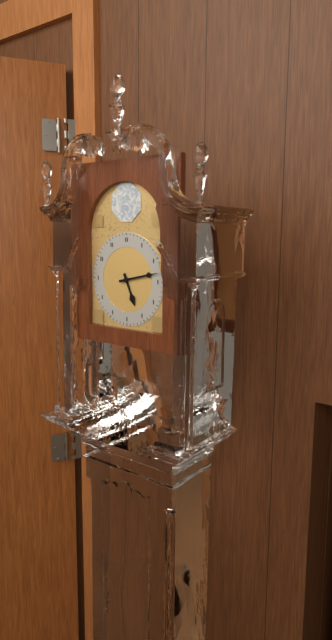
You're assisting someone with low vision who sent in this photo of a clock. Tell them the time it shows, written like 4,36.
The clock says 5,13
